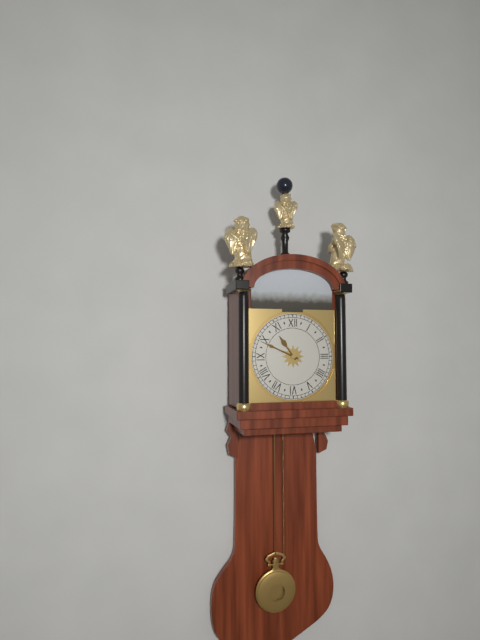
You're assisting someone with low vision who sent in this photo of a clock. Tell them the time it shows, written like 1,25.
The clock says 10,49
